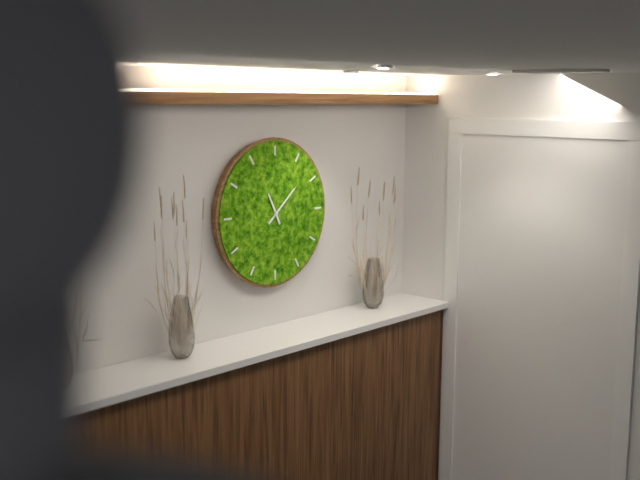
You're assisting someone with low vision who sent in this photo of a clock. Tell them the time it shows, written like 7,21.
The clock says 11,08
